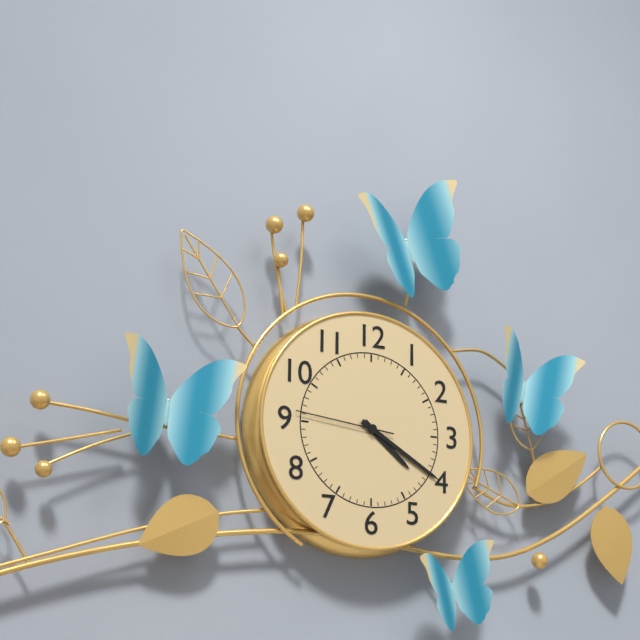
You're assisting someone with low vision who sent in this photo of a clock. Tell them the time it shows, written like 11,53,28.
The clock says 4,20,46
